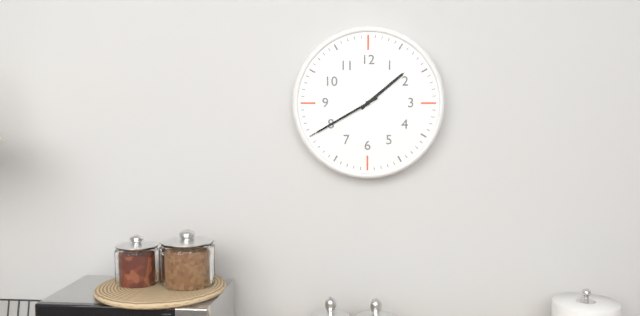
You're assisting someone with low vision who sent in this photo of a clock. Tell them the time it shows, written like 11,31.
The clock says 1,40
